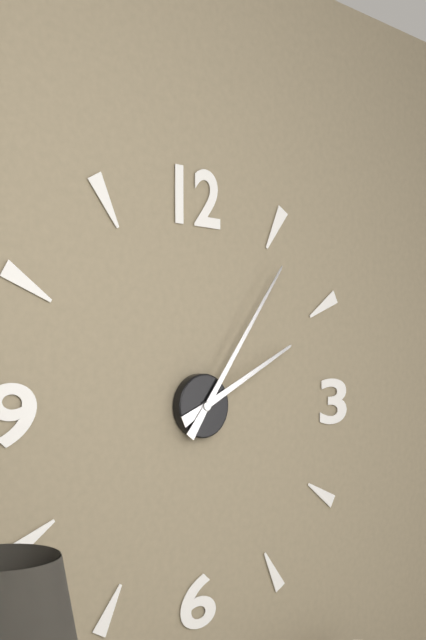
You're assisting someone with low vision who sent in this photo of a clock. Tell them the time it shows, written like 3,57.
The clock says 2,06
